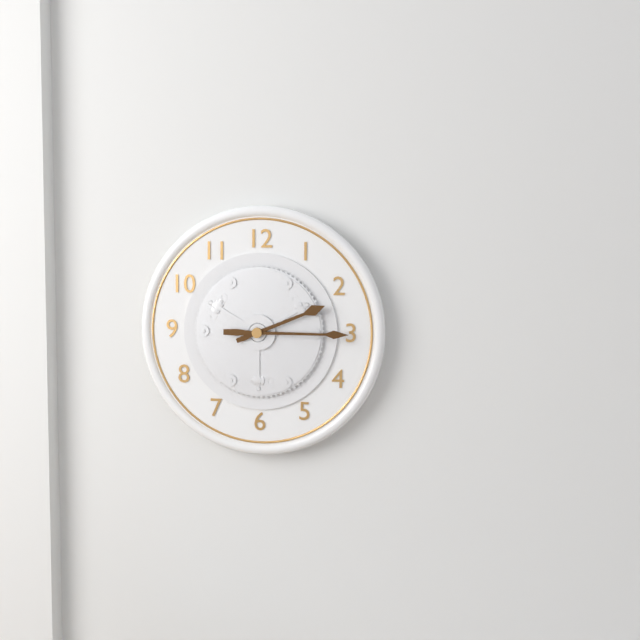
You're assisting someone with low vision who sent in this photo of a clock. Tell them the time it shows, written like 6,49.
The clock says 2,15
